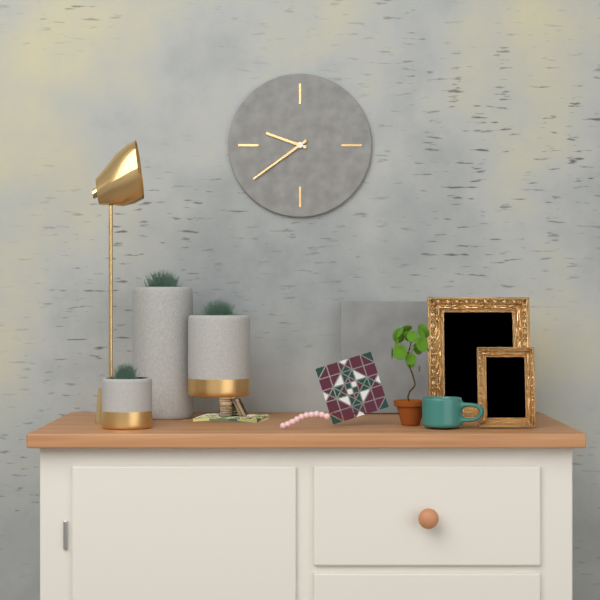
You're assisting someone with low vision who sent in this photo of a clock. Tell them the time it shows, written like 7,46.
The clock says 9,39
